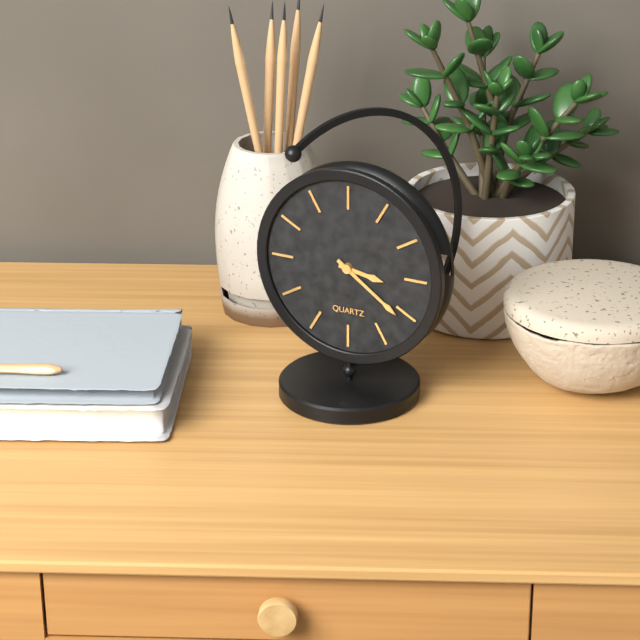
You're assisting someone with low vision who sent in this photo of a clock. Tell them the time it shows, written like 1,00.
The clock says 3,21
